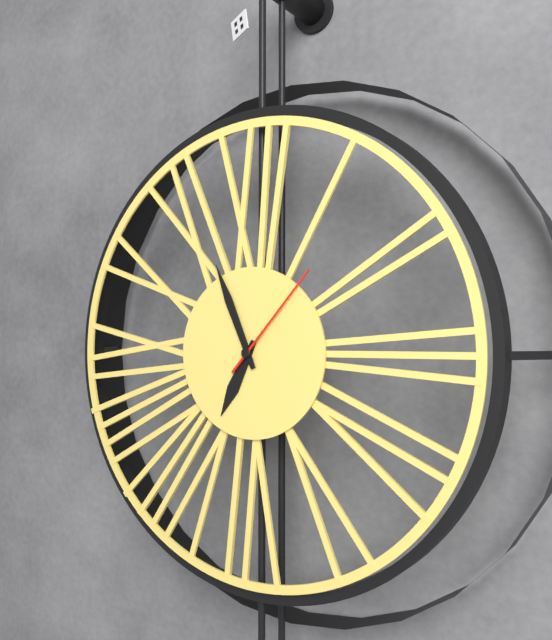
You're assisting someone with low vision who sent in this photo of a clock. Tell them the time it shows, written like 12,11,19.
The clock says 6,56,07
